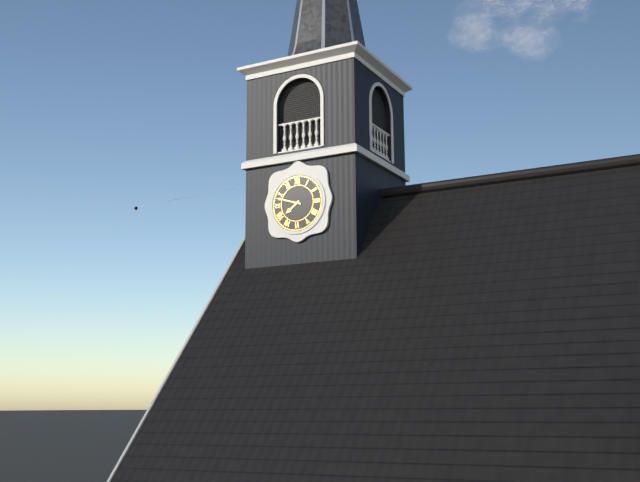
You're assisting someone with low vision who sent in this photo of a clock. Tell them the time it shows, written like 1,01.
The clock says 7,48
